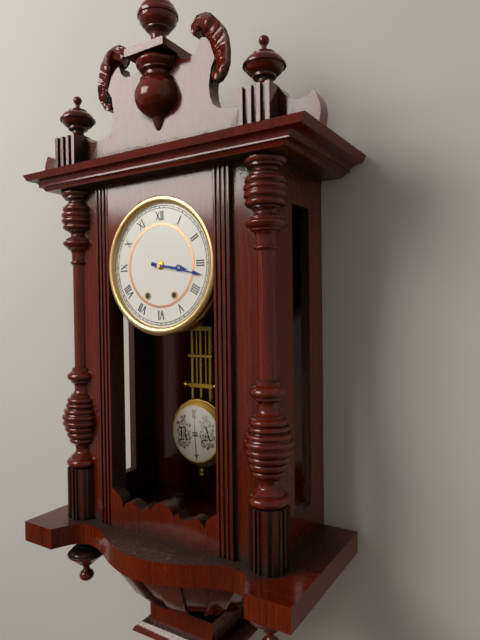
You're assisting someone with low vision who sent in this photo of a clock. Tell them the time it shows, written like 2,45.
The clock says 3,17
